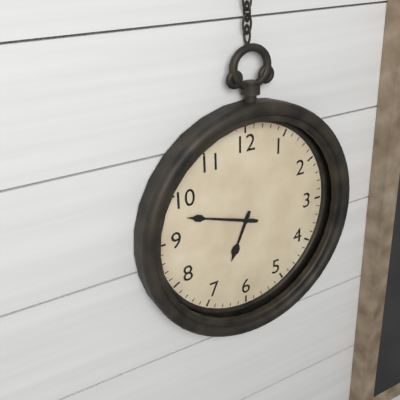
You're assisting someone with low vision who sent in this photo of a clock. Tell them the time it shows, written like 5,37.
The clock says 6,48
